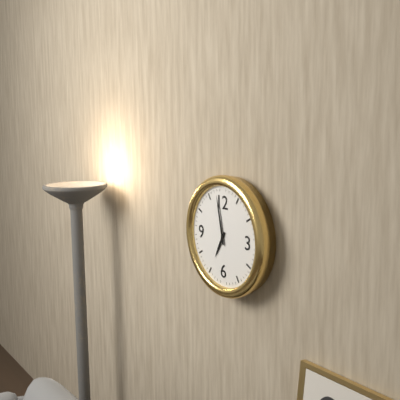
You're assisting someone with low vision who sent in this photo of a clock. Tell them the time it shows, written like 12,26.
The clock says 6,58
